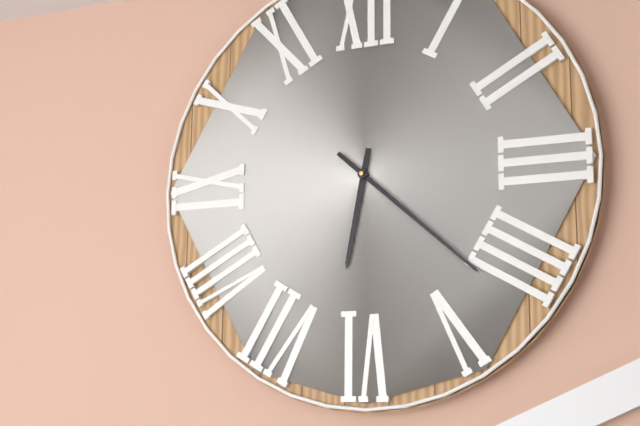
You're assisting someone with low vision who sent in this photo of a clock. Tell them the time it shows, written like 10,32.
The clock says 6,22
